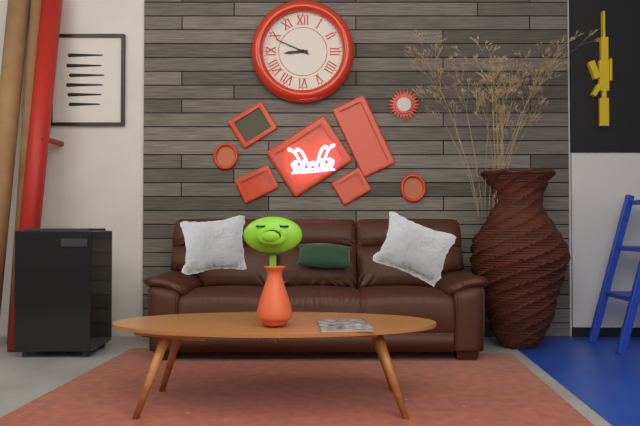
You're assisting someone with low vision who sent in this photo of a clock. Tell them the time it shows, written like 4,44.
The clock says 8,49
